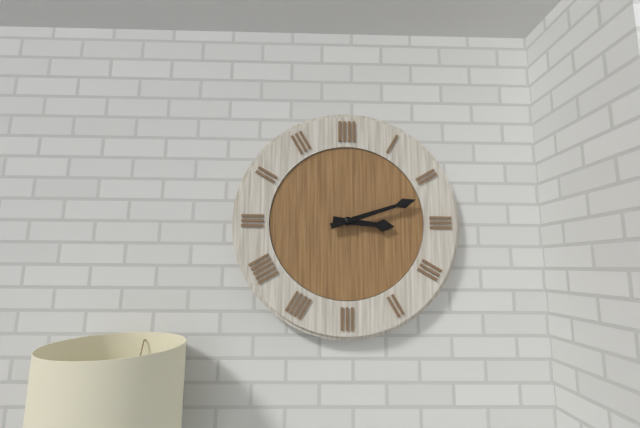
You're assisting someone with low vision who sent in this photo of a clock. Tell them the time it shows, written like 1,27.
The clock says 3,12
